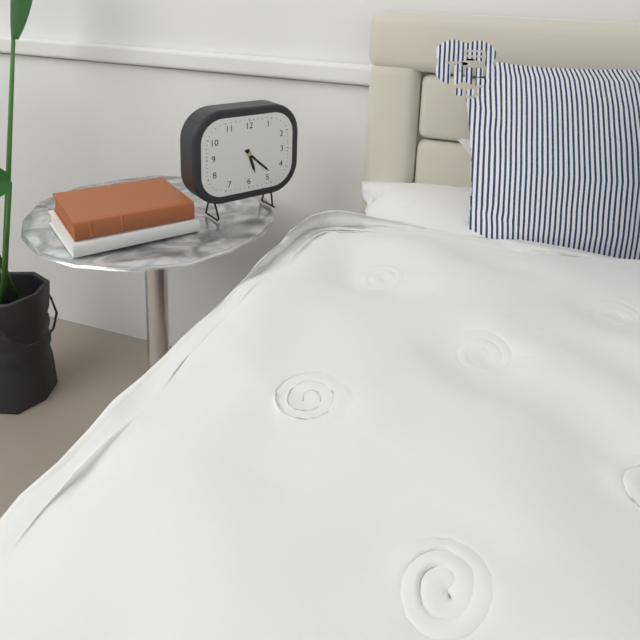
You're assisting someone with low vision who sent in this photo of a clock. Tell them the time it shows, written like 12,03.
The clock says 5,22
